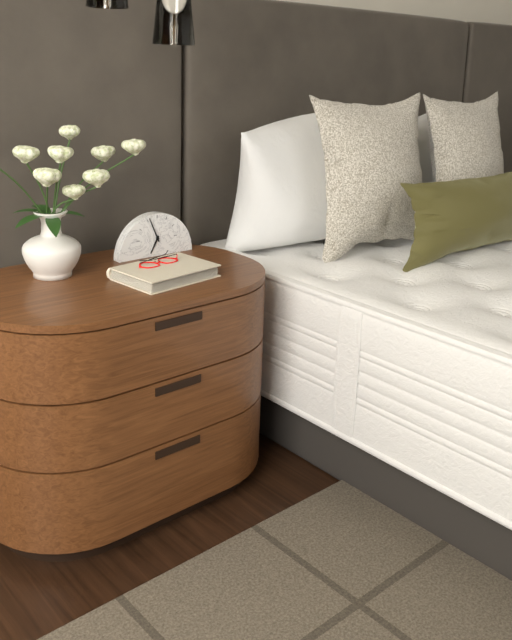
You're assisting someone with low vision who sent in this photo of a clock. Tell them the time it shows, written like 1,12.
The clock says 6,56
